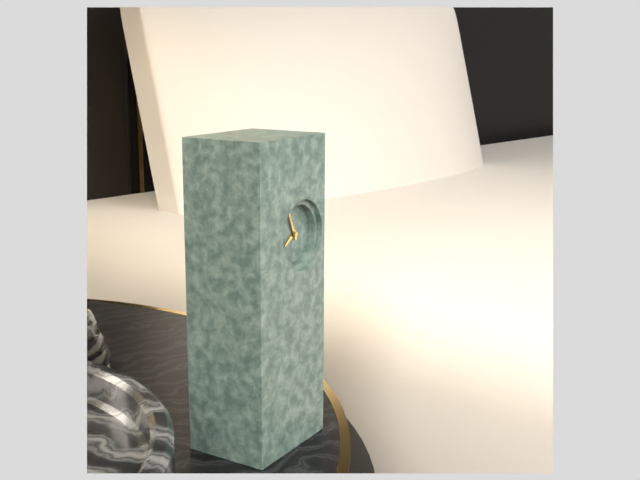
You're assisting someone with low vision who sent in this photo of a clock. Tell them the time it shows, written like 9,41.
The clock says 7,56
